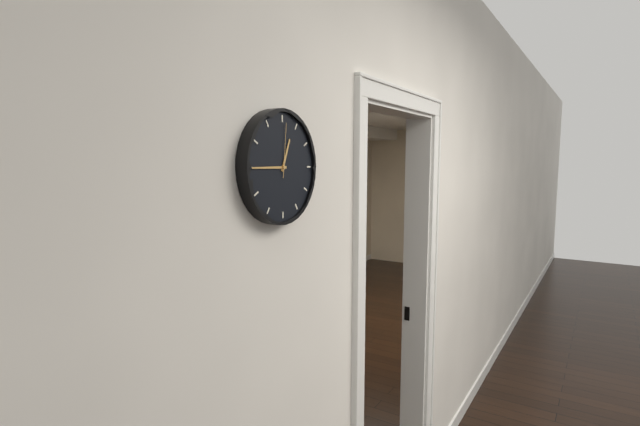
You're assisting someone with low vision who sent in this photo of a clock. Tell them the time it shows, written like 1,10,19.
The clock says 12,45,01
